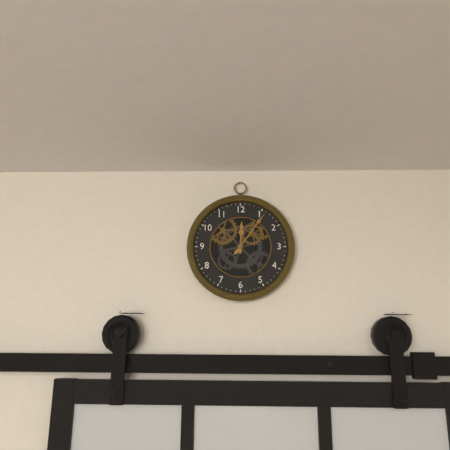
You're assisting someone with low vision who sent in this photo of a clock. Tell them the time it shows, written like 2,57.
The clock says 12,06
